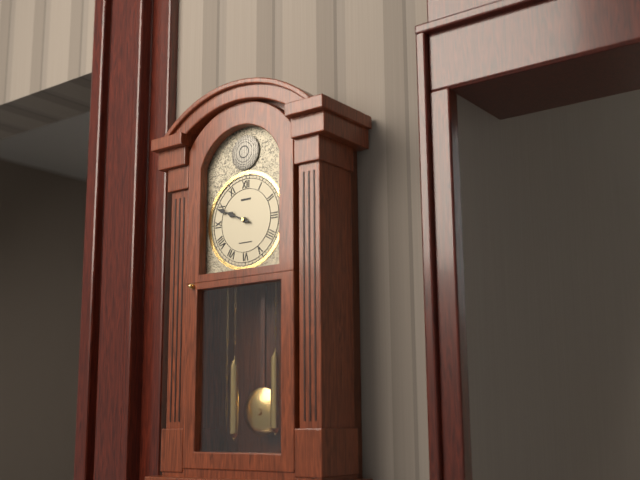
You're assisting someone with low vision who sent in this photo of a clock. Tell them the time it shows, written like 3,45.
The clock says 9,49
